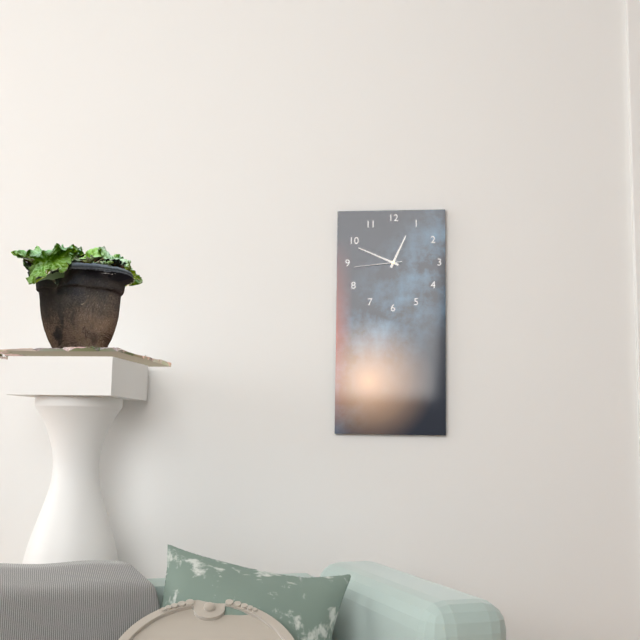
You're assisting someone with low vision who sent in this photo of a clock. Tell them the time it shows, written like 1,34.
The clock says 12,49
